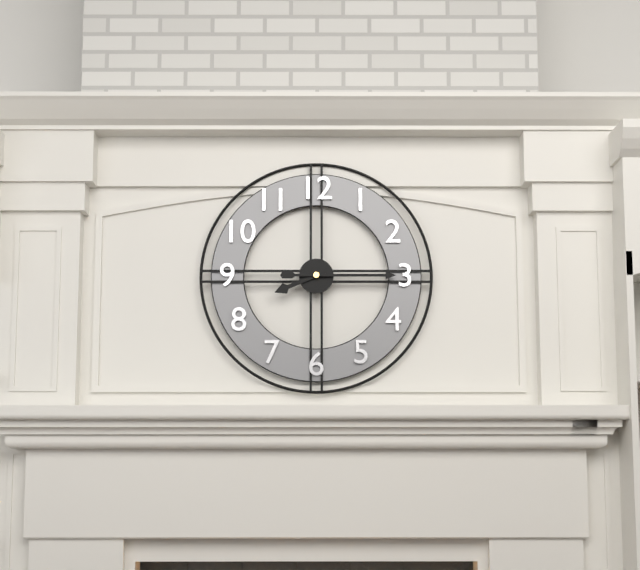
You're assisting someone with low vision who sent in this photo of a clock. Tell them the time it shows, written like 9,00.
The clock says 8,15
